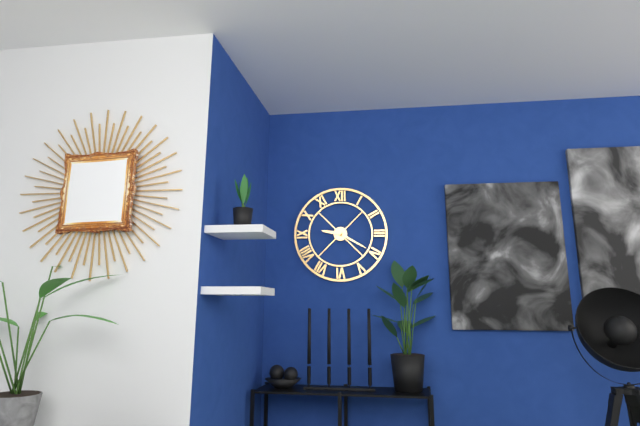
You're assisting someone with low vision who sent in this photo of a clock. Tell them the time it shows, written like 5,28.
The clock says 9,20
